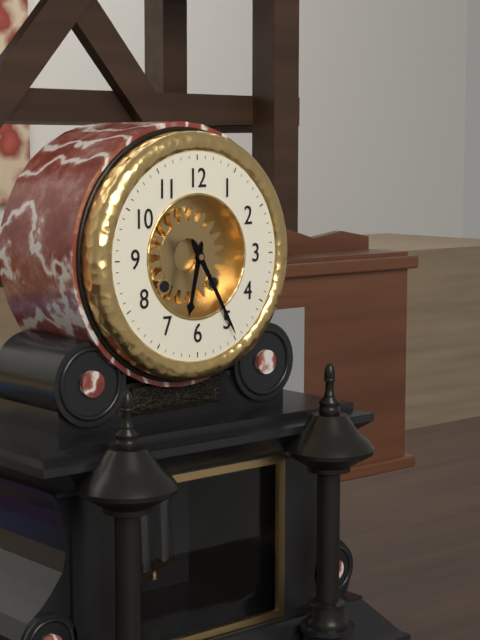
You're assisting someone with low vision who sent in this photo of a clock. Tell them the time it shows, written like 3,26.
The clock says 6,25
